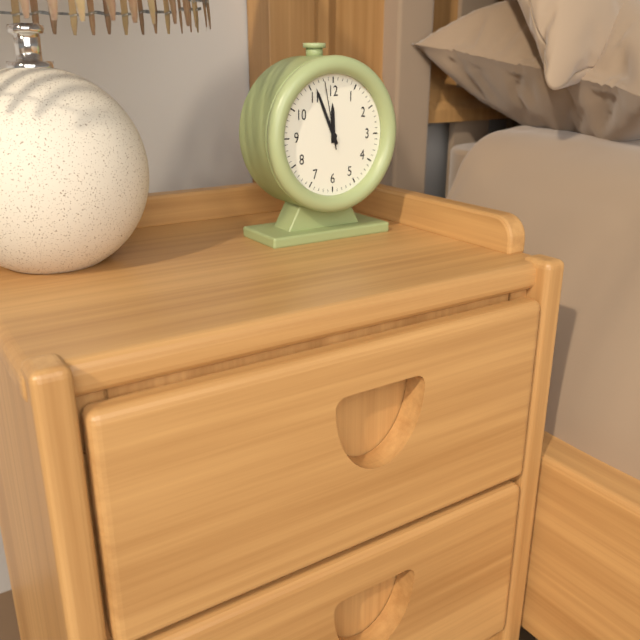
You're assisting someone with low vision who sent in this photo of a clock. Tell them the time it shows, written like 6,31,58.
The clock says 11,56,58
